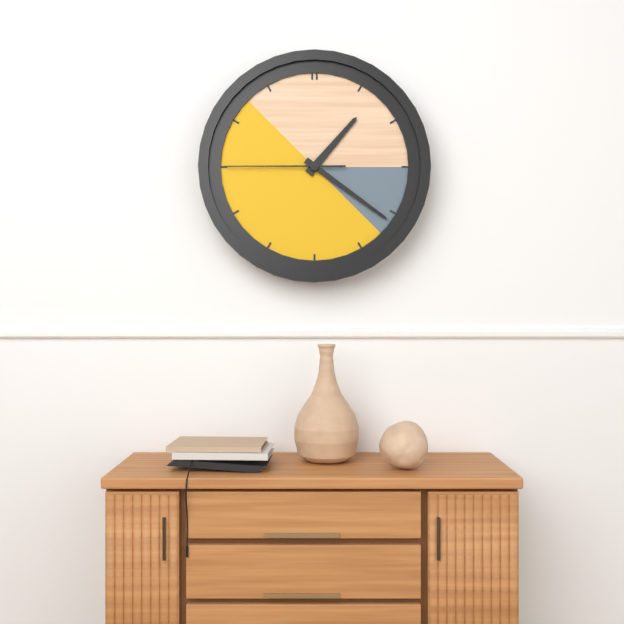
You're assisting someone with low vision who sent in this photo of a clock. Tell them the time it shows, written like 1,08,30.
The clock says 1,21,45
